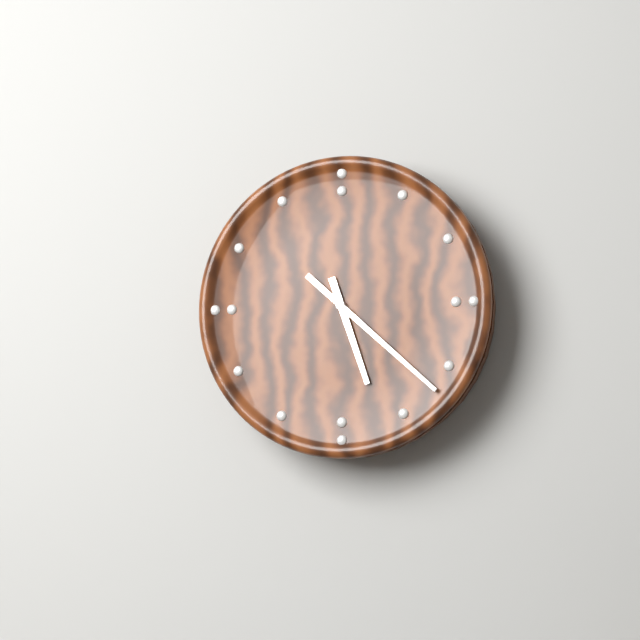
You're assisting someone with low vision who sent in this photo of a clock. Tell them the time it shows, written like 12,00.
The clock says 5,22
